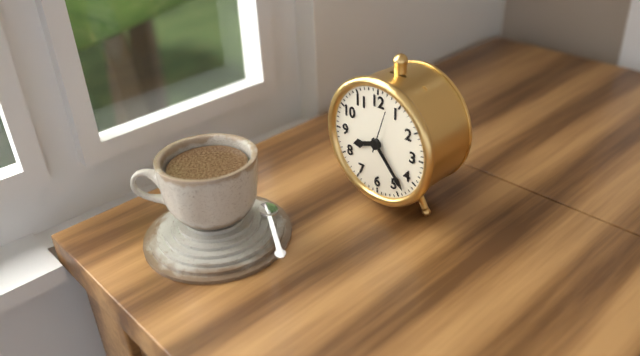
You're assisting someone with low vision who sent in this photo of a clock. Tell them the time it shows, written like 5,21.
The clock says 8,23
